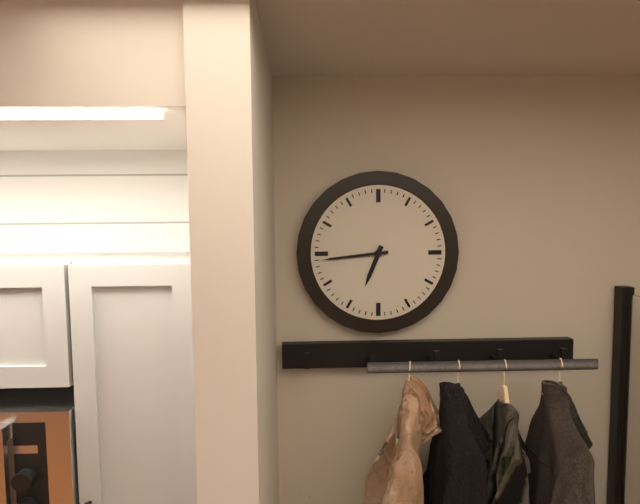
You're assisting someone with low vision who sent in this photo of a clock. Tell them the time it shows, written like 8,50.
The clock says 6,44
